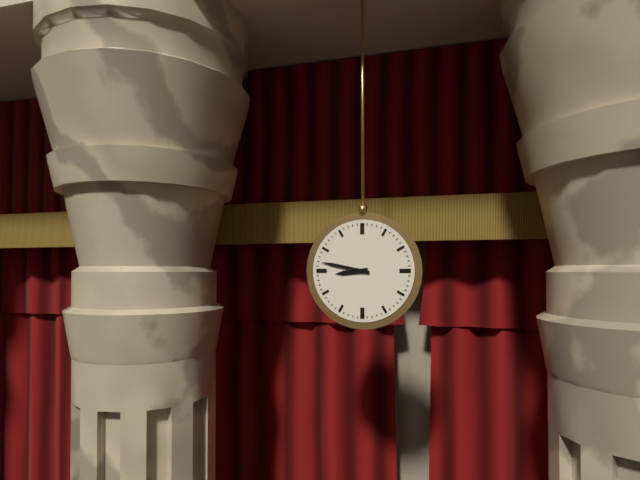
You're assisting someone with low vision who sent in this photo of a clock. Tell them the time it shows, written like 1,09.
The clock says 8,47
